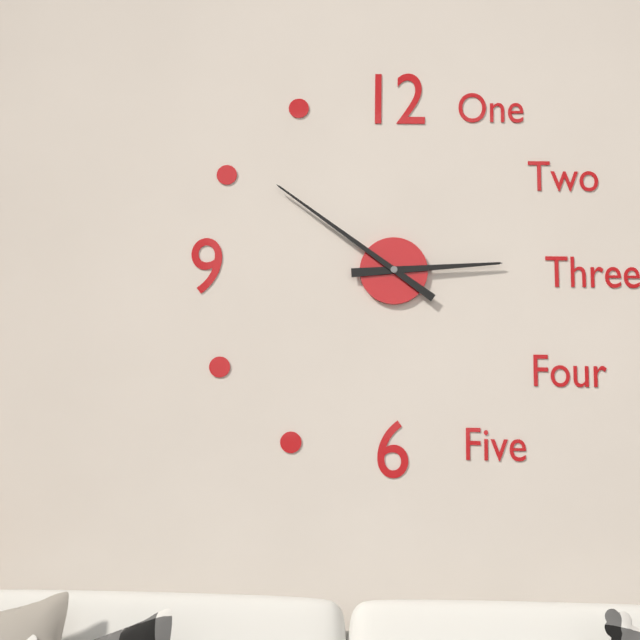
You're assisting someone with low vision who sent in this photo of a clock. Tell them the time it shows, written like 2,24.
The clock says 2,51
